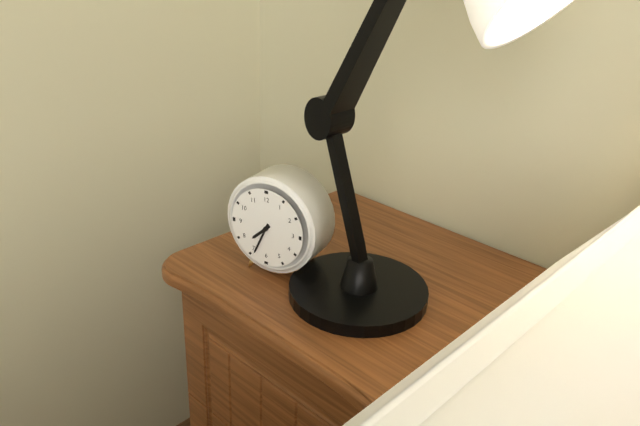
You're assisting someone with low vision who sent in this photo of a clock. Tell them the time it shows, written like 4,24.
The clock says 7,34
